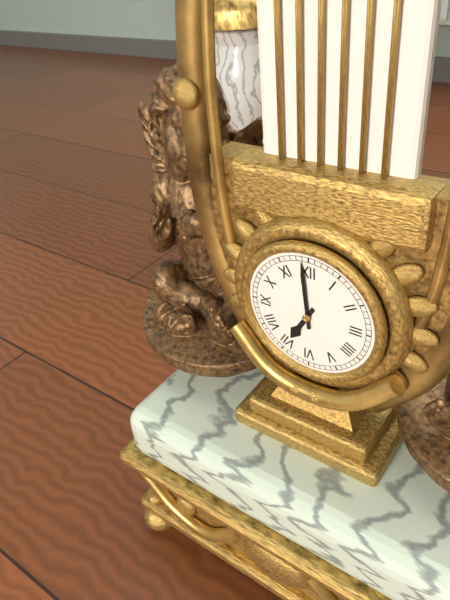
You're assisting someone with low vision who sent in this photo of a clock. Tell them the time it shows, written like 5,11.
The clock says 6,59
